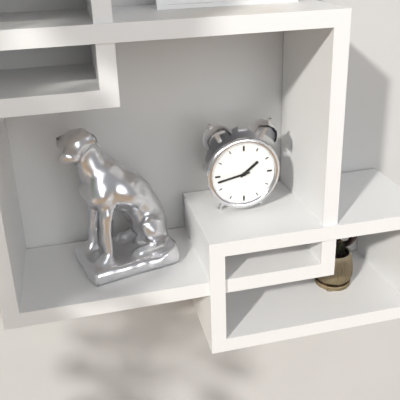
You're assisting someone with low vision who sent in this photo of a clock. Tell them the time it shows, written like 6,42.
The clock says 1,43
